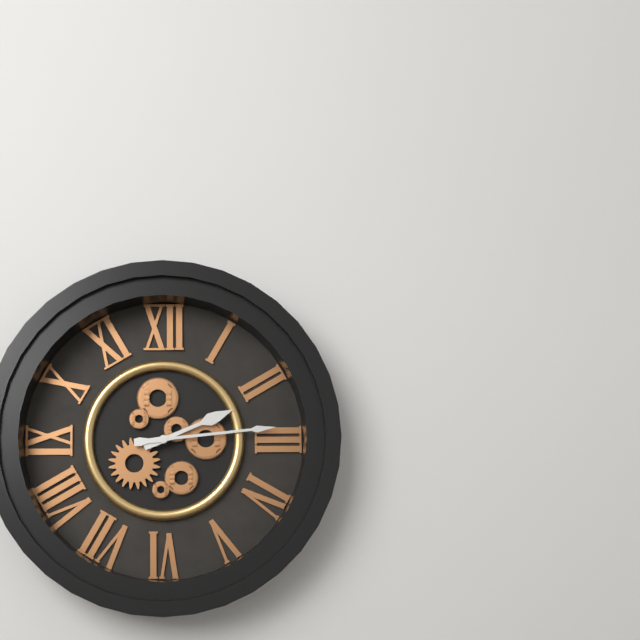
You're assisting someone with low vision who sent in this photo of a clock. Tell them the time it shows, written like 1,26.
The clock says 2,14
